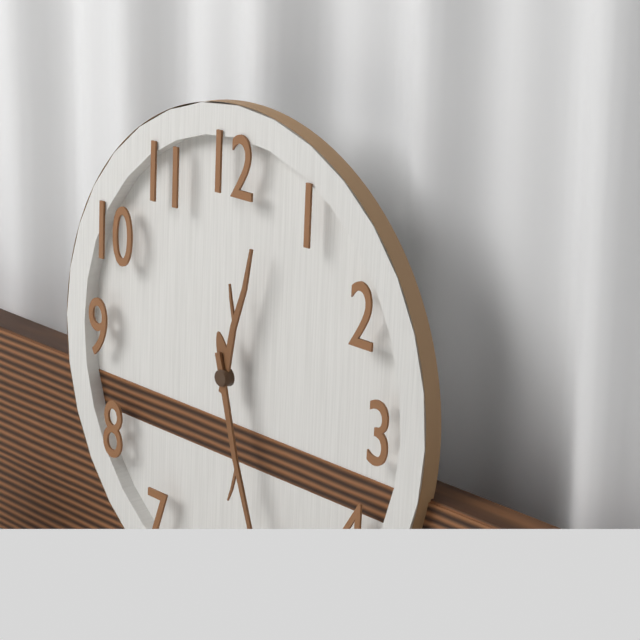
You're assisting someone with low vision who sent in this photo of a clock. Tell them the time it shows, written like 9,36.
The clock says 12,27
